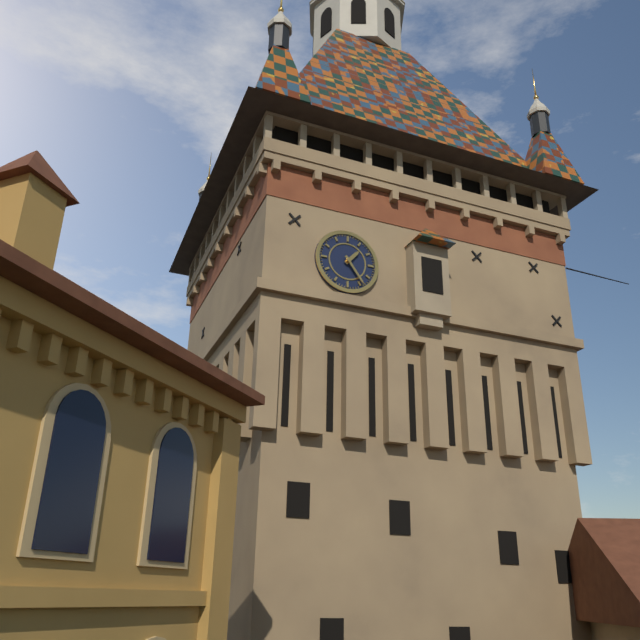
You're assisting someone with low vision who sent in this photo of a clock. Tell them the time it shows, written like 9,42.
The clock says 1,24
